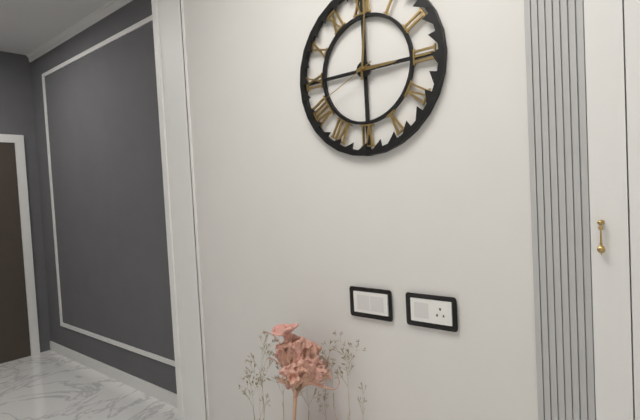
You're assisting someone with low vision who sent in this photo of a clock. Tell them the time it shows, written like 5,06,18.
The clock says 3,01,41
